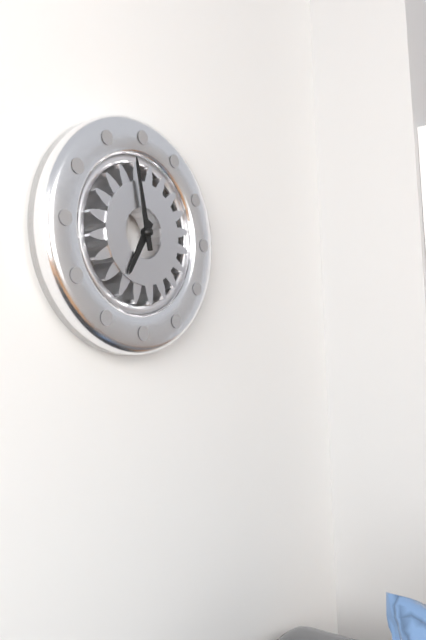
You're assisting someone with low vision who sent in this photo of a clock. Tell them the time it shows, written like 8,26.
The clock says 6,58
